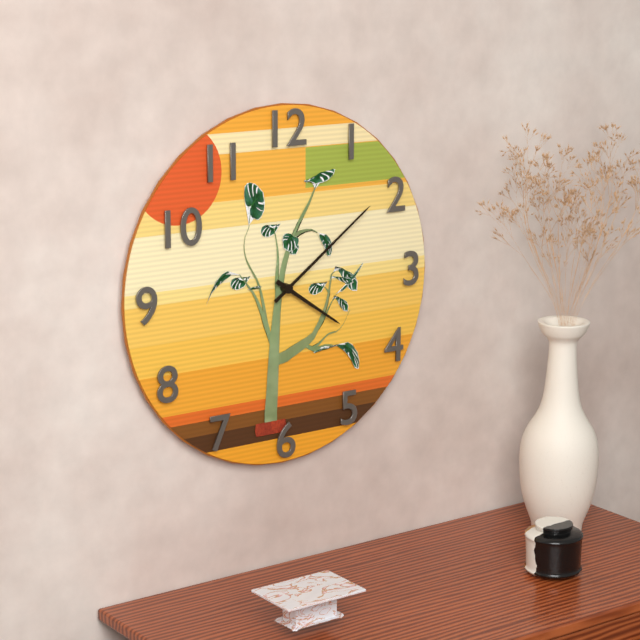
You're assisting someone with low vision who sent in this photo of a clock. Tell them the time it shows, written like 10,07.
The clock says 4,09
